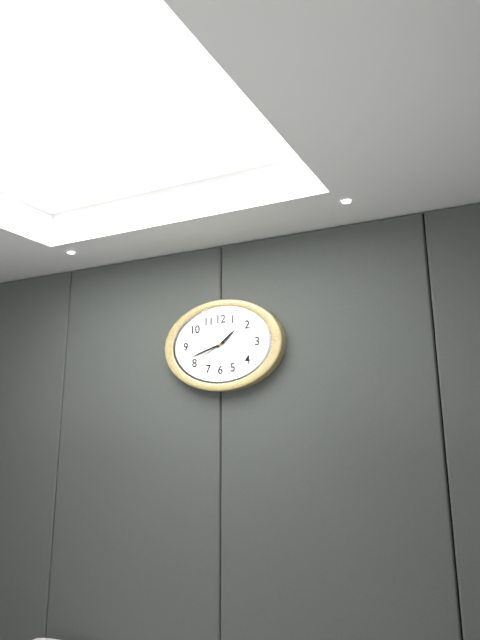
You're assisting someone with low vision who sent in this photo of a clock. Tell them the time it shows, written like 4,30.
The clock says 1,42
